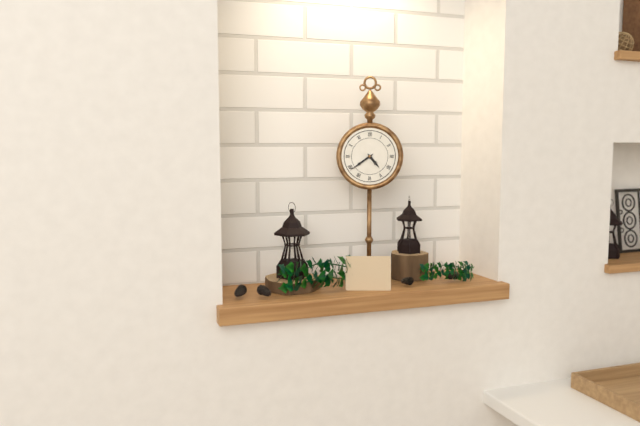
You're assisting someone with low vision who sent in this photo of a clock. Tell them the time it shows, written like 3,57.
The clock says 4,39
